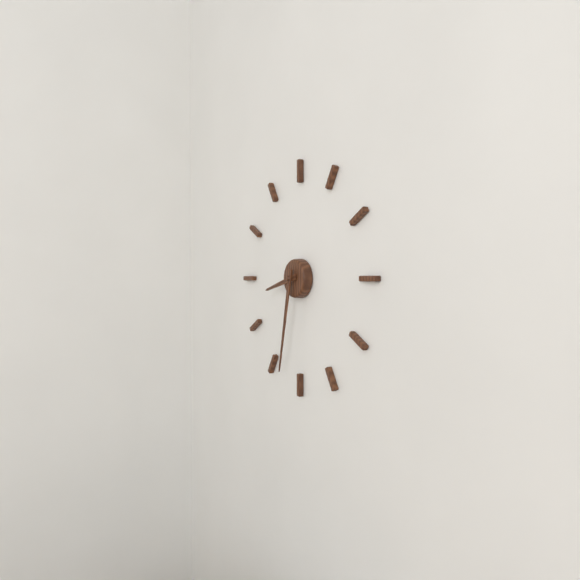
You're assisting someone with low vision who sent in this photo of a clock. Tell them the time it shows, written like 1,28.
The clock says 8,32
